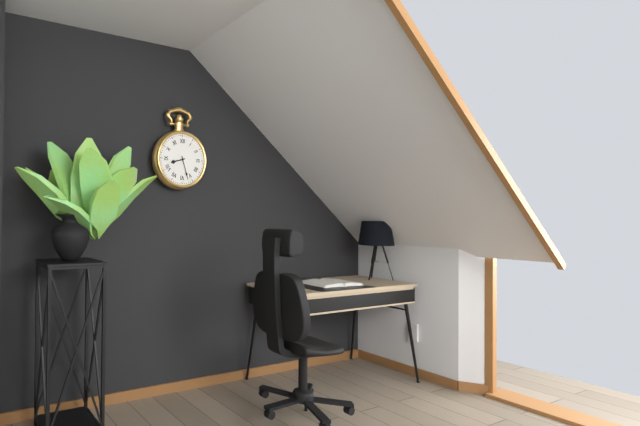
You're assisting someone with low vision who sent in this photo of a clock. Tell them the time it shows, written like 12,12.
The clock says 8,27
